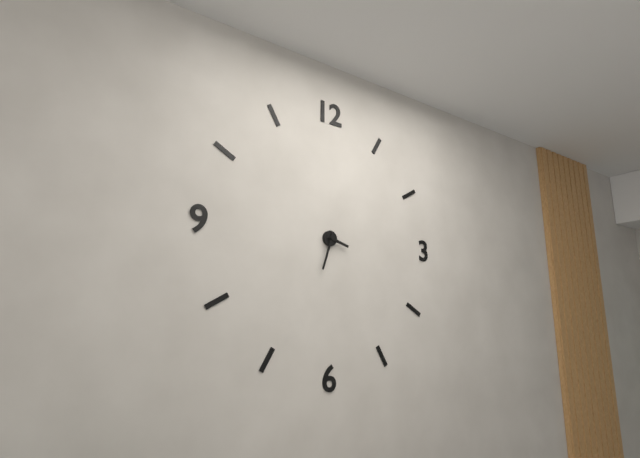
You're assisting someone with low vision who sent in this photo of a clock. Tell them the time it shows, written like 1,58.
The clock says 3,33
